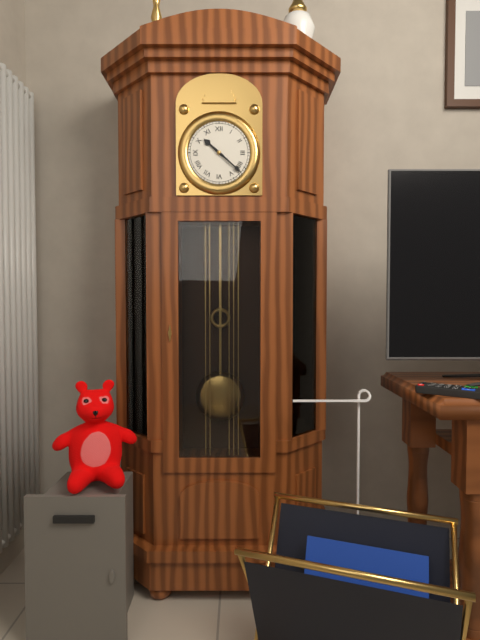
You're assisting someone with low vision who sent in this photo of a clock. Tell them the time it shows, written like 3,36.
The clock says 10,22
